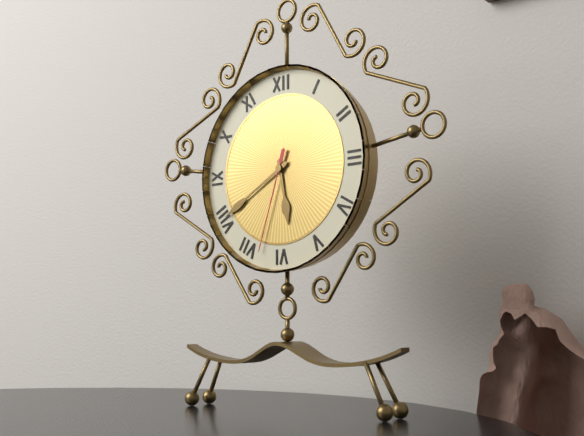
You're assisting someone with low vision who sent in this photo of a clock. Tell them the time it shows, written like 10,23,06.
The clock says 5,40,33
